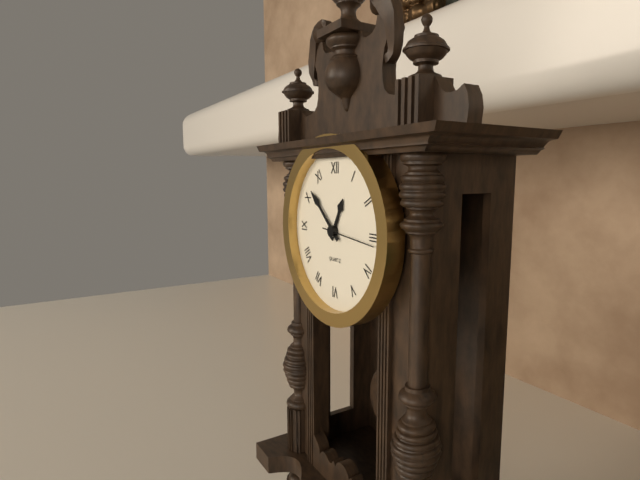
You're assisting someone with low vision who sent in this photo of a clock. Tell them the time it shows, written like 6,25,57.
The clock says 12,52,16
